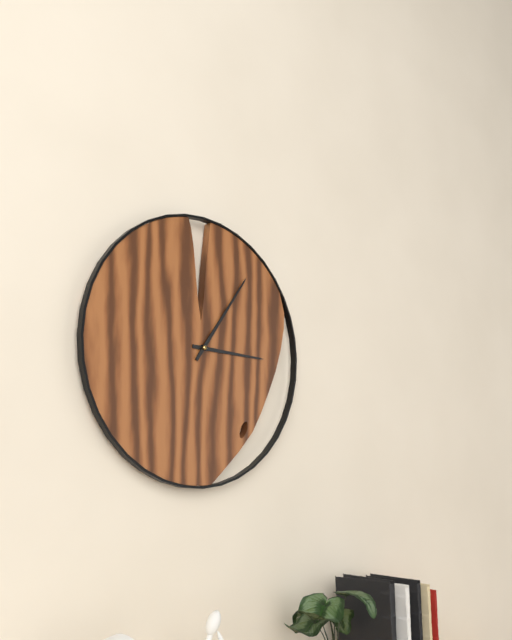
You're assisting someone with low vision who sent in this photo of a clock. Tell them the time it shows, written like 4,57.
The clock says 3,06
